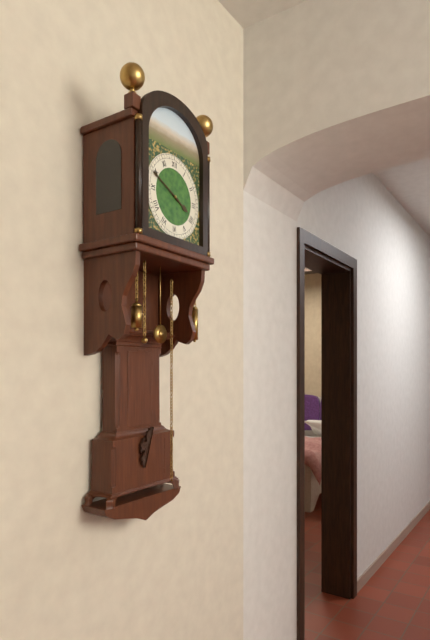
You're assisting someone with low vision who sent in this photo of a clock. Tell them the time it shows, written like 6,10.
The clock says 3,49
